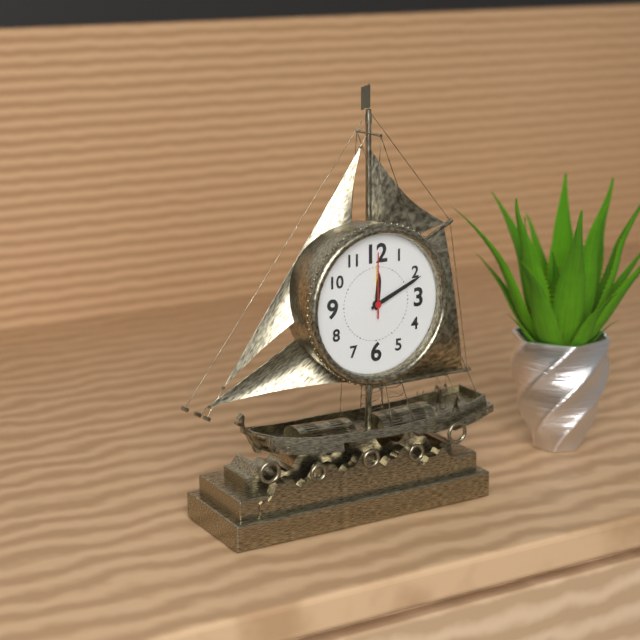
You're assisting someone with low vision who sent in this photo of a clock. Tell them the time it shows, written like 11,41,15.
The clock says 12,11,00
